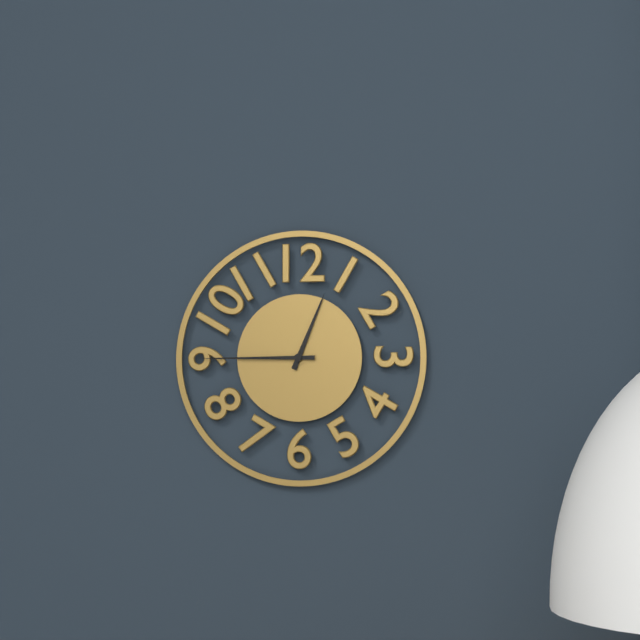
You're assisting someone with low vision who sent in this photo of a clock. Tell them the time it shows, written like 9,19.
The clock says 12,45
